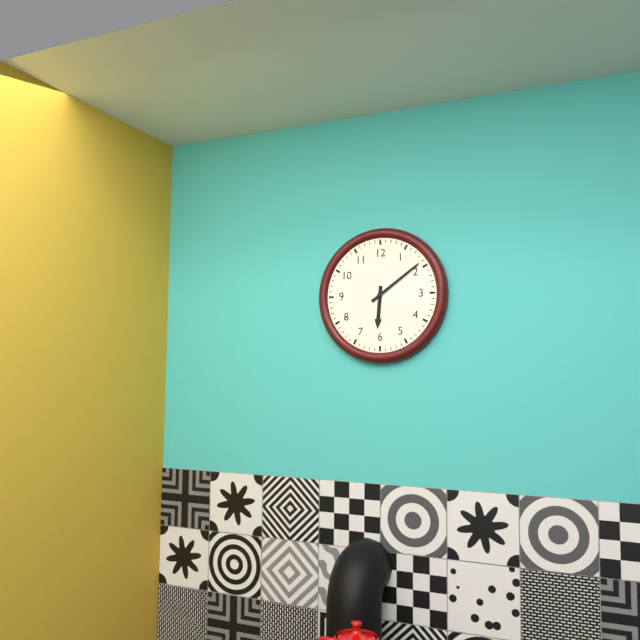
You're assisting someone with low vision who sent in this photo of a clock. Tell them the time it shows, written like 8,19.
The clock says 6,09
